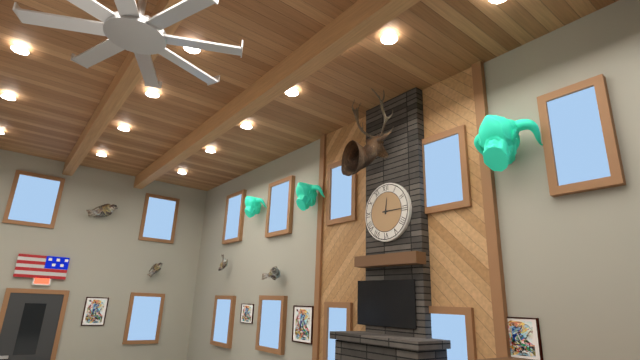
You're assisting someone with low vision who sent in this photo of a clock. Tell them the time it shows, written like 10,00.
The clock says 12,15
